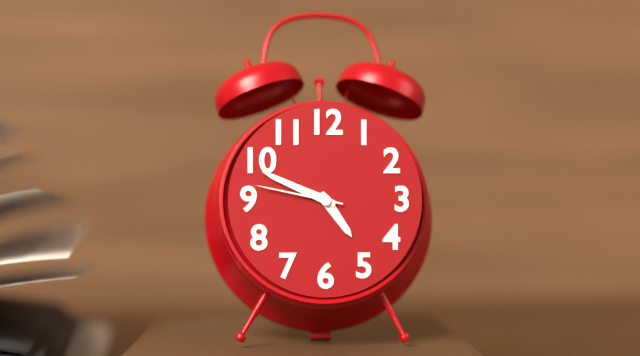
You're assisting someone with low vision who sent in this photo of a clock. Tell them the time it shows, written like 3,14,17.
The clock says 4,49,47
